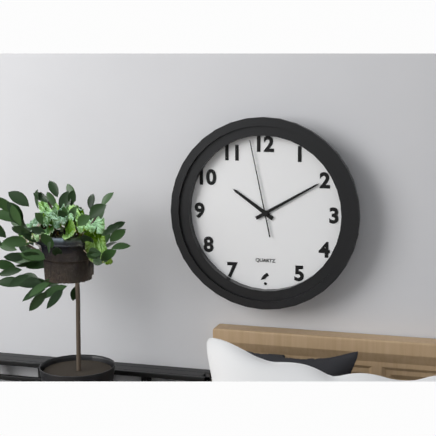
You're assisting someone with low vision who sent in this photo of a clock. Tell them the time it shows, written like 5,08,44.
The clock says 10,10,58
